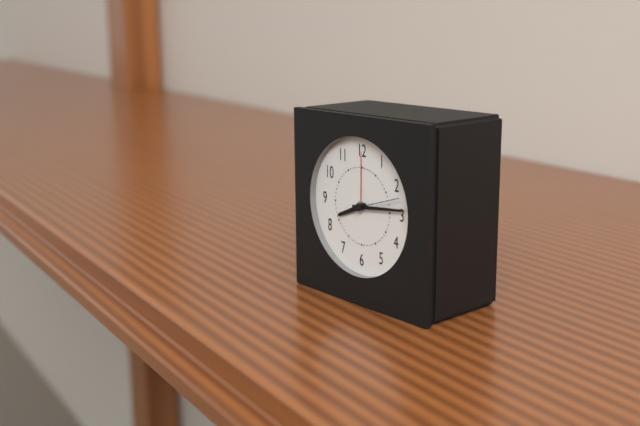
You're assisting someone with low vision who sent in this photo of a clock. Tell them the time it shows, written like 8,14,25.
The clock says 8,14,12
